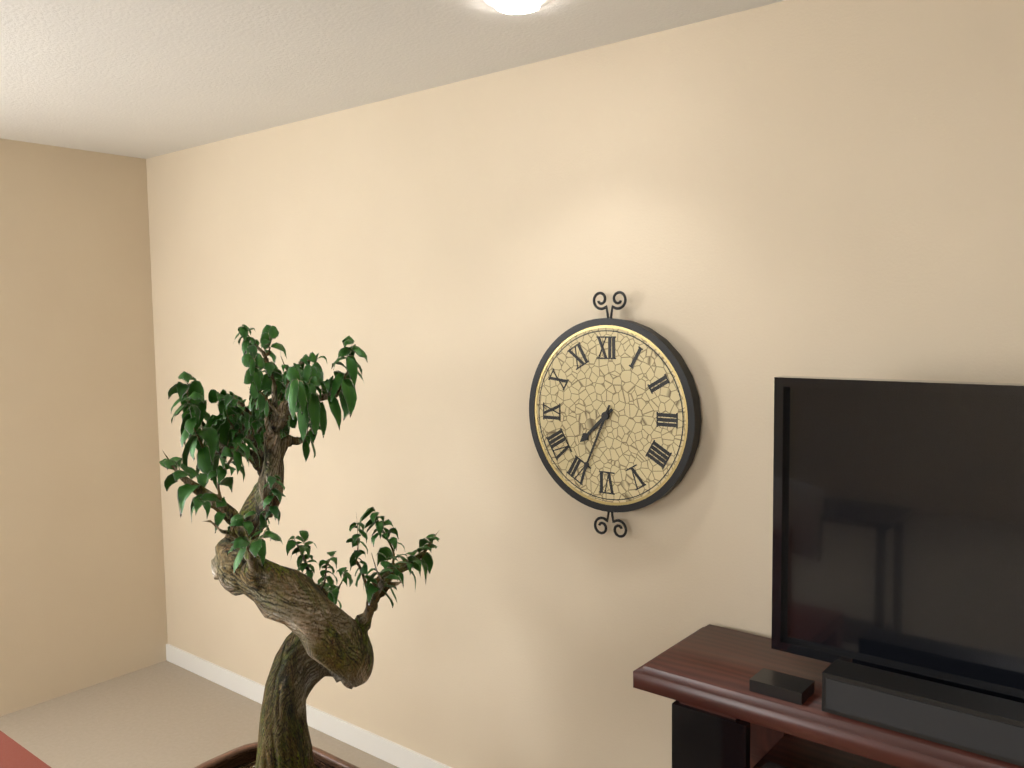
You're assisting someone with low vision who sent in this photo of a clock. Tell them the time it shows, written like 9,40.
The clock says 7,34
